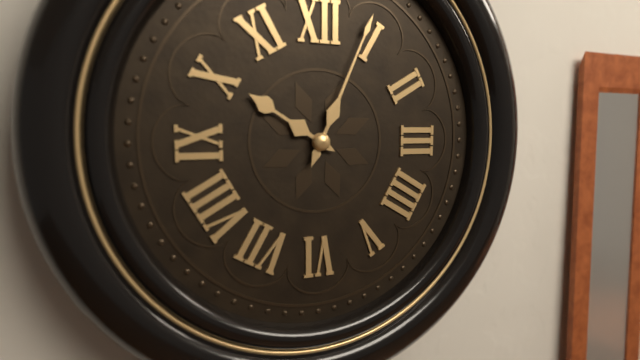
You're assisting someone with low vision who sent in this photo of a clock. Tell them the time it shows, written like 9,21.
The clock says 10,04
